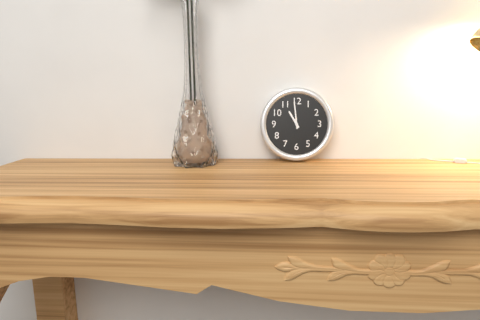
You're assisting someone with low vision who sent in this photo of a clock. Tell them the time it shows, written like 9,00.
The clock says 10,59
